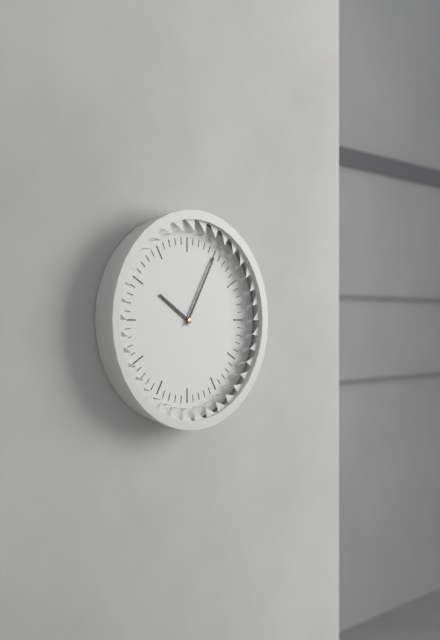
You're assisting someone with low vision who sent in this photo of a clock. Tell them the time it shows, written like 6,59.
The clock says 10,05
